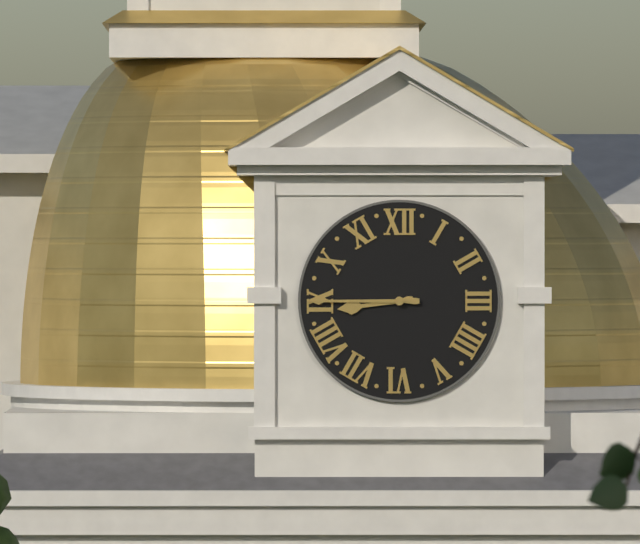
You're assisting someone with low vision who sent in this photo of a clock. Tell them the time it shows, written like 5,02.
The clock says 8,45
